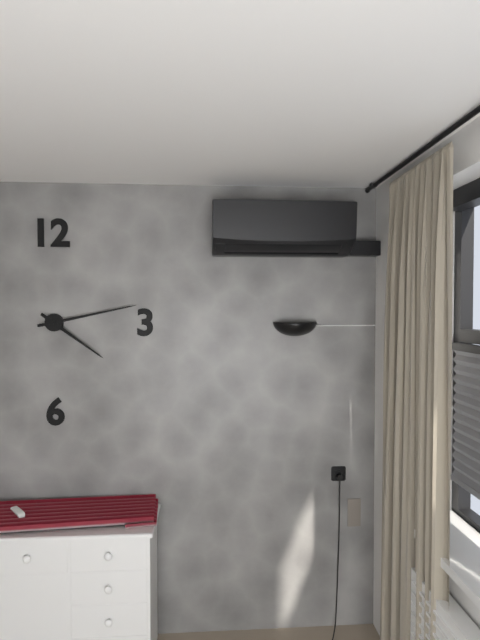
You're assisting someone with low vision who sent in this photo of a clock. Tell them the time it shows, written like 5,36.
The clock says 4,13
